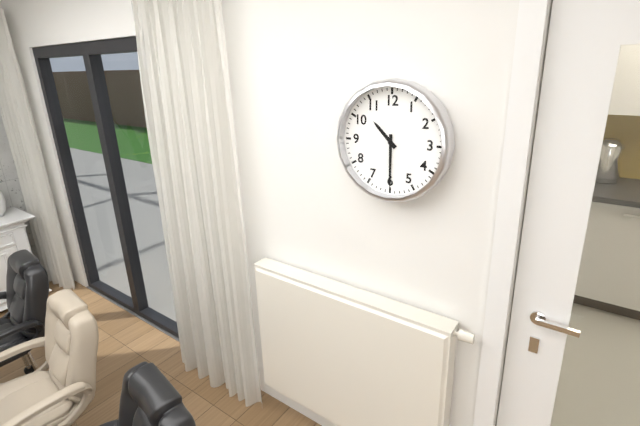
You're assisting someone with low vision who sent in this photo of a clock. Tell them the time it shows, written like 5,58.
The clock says 10,30
